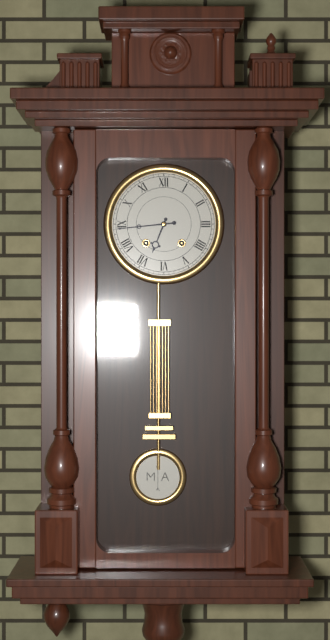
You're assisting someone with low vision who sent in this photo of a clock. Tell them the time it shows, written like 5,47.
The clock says 6,44
